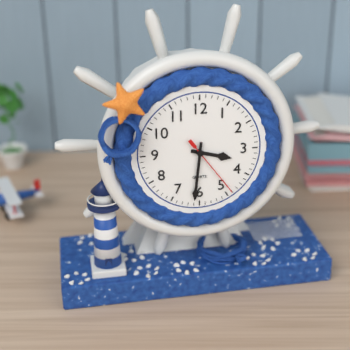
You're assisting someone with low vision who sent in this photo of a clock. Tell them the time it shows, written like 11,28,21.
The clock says 3,31,24
